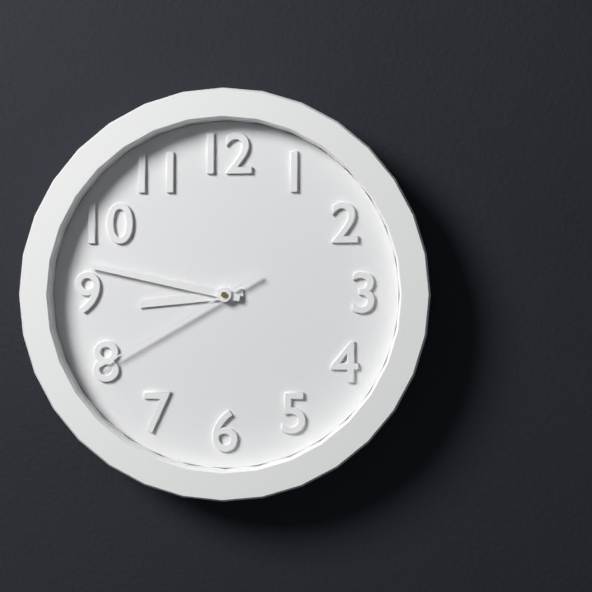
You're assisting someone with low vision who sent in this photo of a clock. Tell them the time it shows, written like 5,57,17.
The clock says 8,47,40
